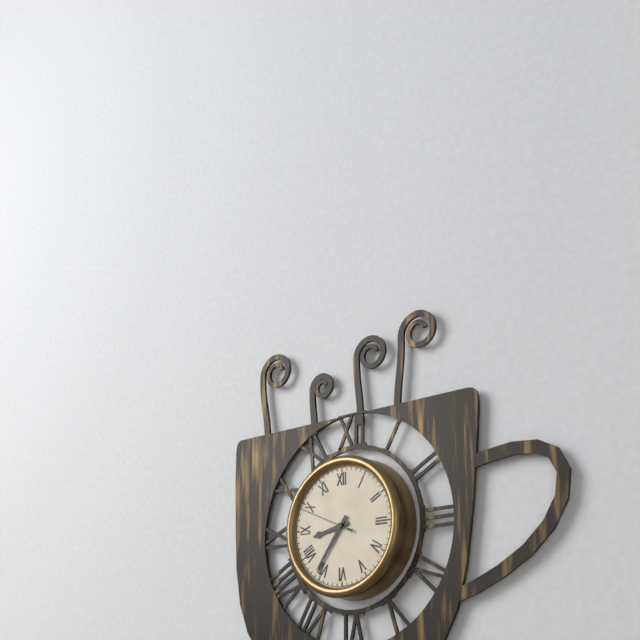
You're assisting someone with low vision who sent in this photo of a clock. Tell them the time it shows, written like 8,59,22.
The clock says 8,36,49
